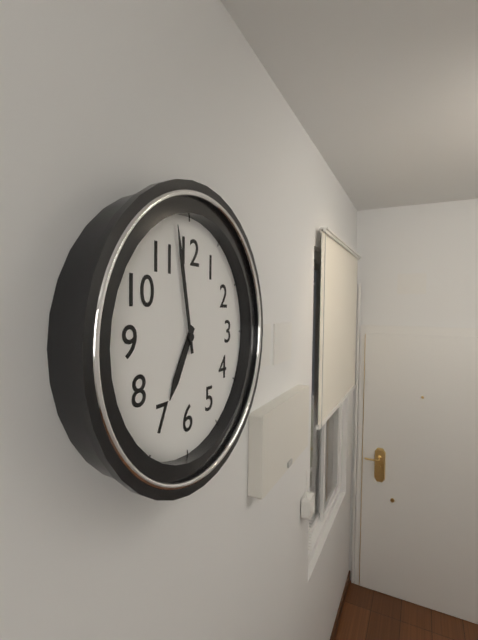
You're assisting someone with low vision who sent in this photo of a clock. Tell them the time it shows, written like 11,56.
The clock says 6,58
